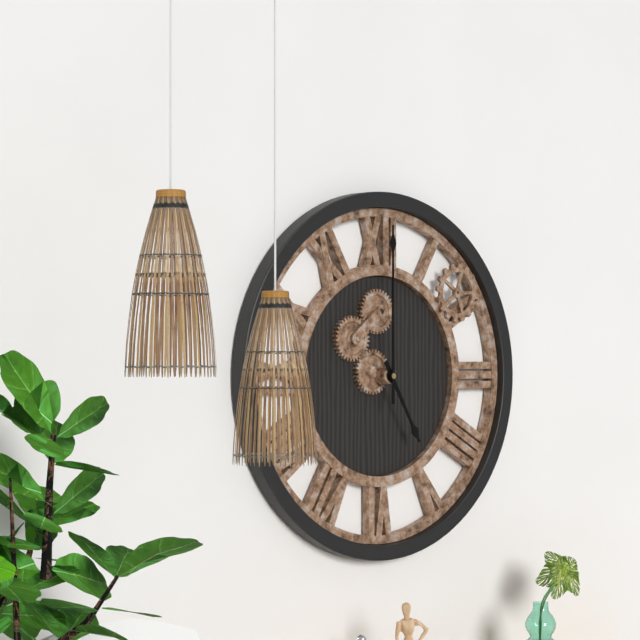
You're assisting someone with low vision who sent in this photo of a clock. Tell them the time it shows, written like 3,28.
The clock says 5,00
